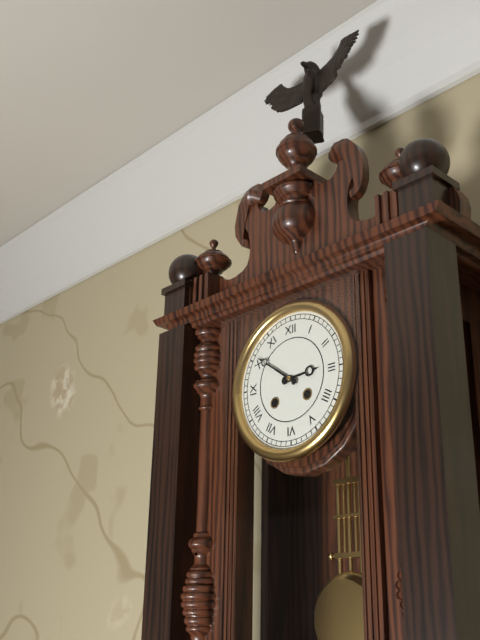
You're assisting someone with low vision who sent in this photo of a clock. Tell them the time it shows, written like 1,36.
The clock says 2,51
